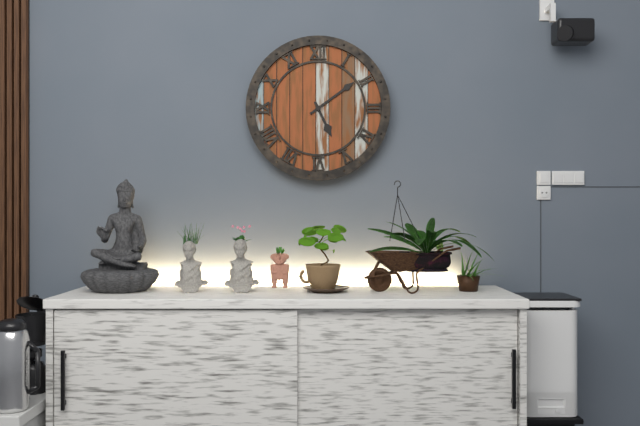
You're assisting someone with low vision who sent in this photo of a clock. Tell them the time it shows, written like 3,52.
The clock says 5,09
